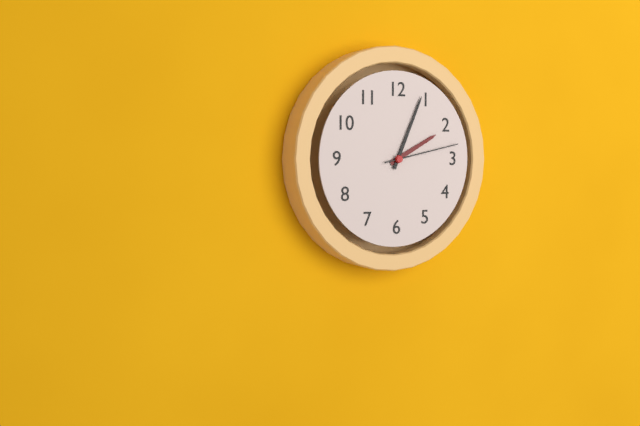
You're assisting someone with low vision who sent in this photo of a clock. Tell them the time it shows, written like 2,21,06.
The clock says 2,04,13
